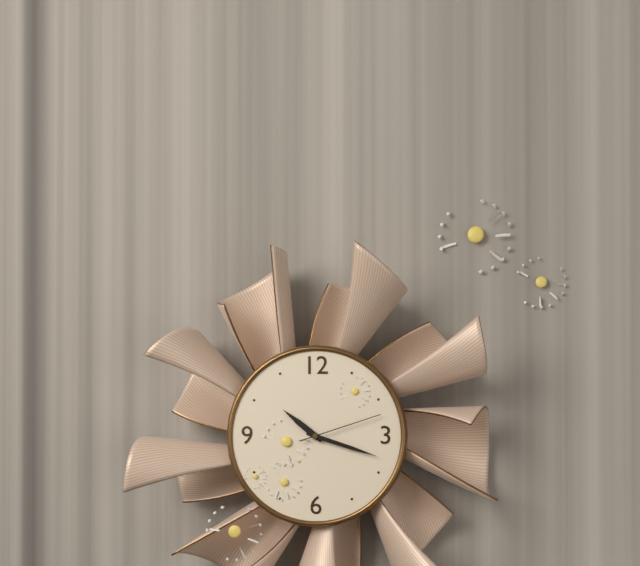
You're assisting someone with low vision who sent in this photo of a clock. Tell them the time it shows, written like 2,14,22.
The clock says 10,18,12
